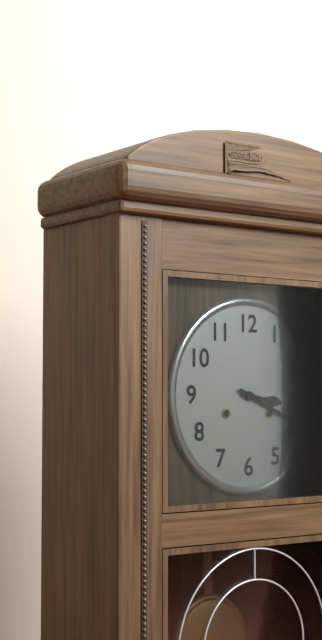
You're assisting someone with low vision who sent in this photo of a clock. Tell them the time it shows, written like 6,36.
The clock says 3,19
